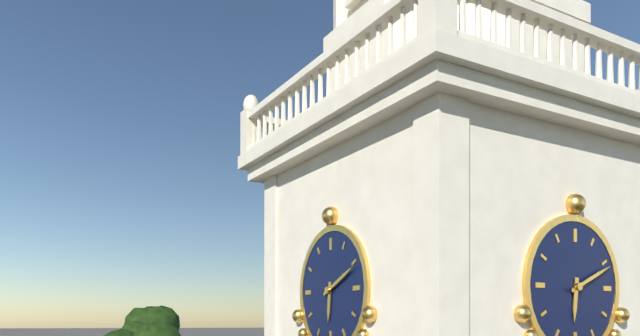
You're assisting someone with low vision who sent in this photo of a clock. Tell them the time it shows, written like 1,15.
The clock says 6,11
